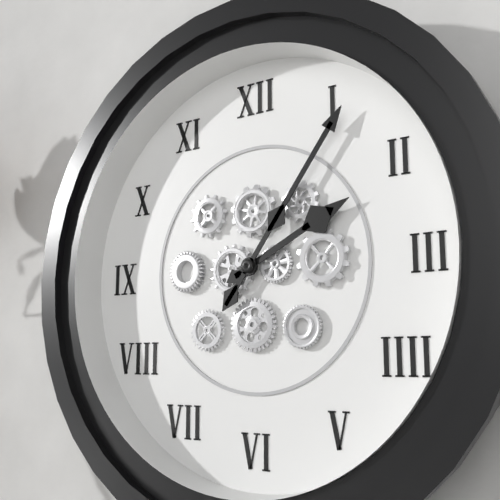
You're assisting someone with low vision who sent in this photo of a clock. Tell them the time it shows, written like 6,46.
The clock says 2,06
